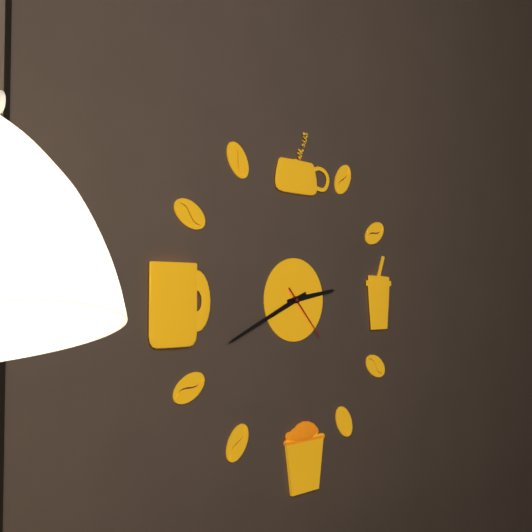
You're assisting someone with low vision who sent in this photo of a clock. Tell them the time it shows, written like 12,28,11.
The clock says 2,41,23
